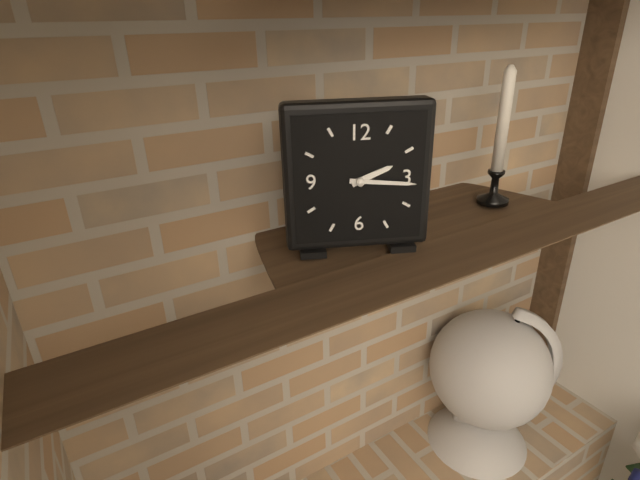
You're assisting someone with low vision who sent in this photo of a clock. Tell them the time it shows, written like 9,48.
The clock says 2,16
